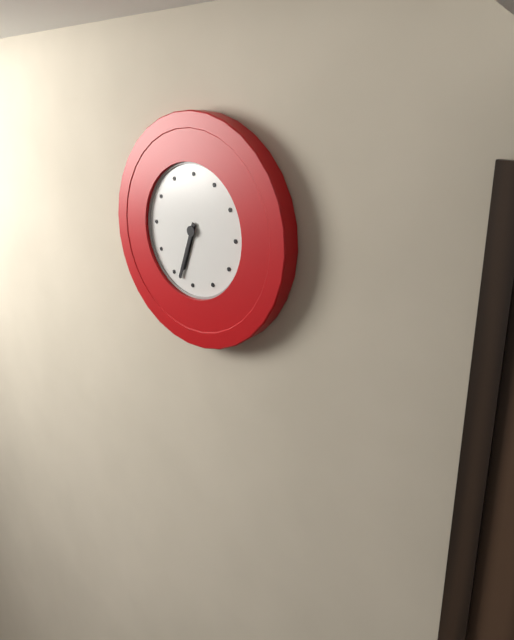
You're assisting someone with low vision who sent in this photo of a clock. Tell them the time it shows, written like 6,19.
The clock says 6,33
